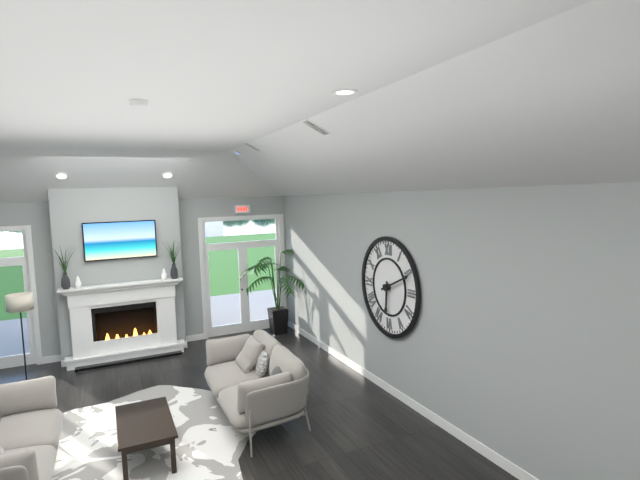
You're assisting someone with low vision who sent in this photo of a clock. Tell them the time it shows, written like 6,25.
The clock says 6,11
